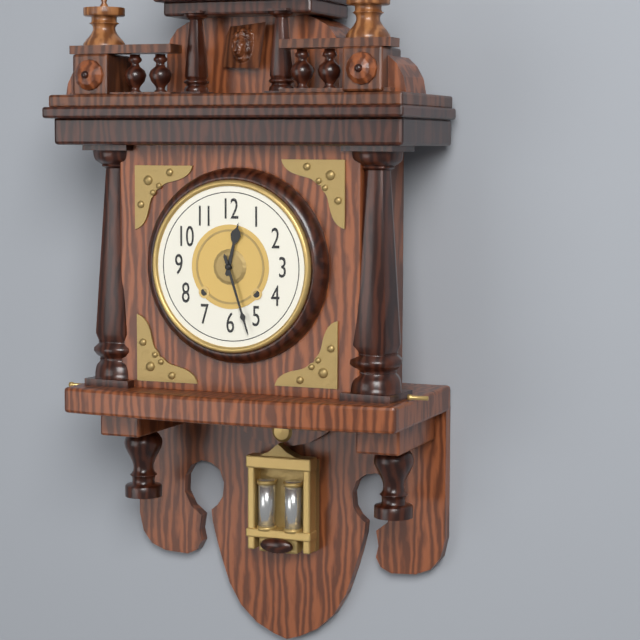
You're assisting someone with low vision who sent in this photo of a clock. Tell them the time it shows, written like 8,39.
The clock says 12,27
